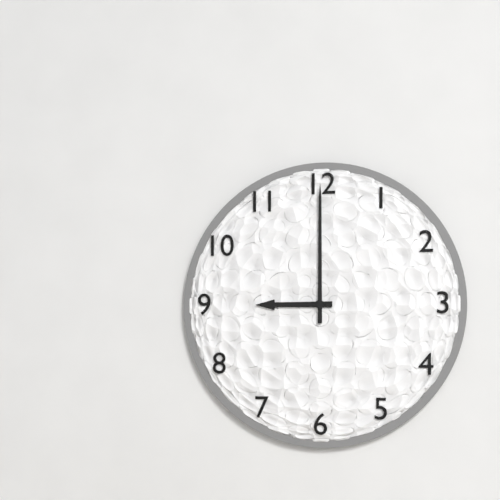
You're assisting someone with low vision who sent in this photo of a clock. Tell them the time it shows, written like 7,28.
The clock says 9,00
